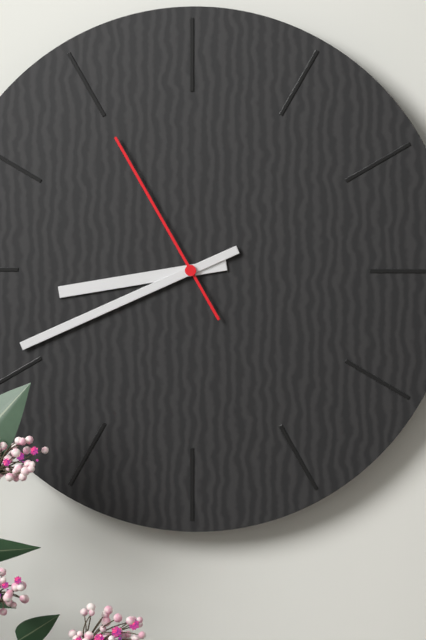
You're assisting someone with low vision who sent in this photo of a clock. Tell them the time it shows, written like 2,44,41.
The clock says 8,41,55
